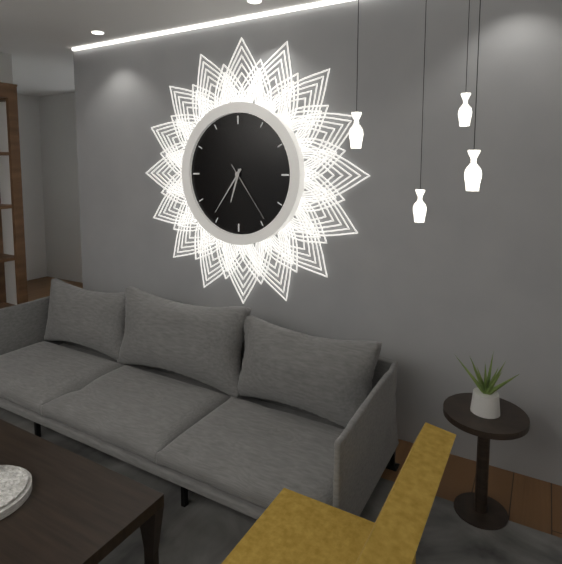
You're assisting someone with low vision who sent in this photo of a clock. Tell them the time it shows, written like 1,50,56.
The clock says 6,36,24
